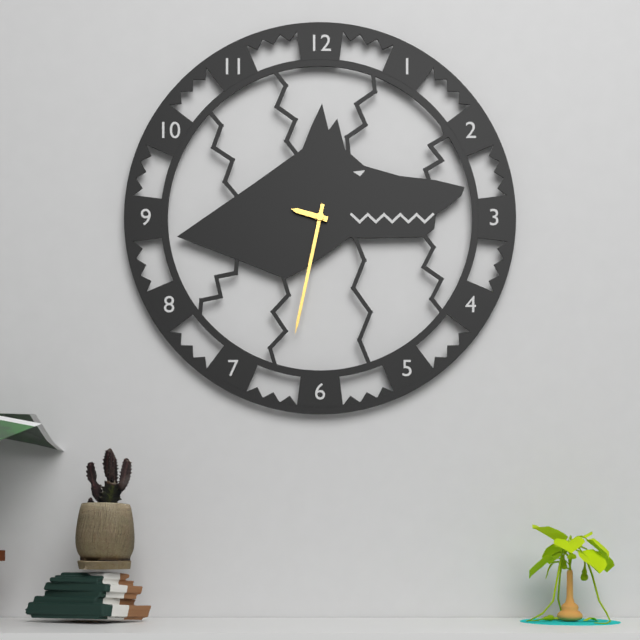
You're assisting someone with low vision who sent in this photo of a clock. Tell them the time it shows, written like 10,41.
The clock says 9,32
